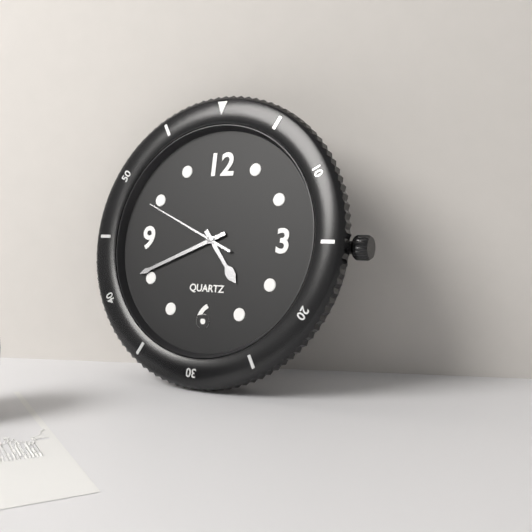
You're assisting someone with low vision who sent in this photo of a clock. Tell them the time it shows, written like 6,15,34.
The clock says 4,41,49
